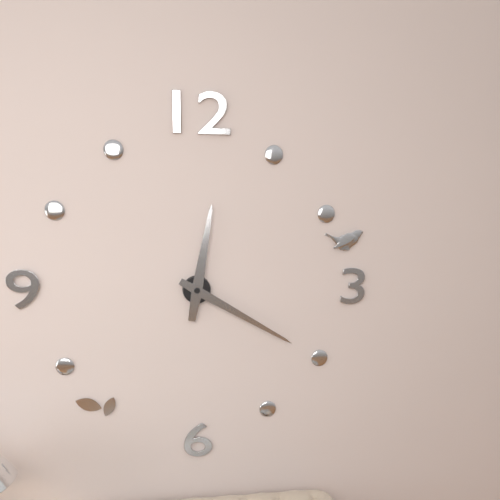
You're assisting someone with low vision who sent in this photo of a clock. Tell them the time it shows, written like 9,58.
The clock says 12,20
